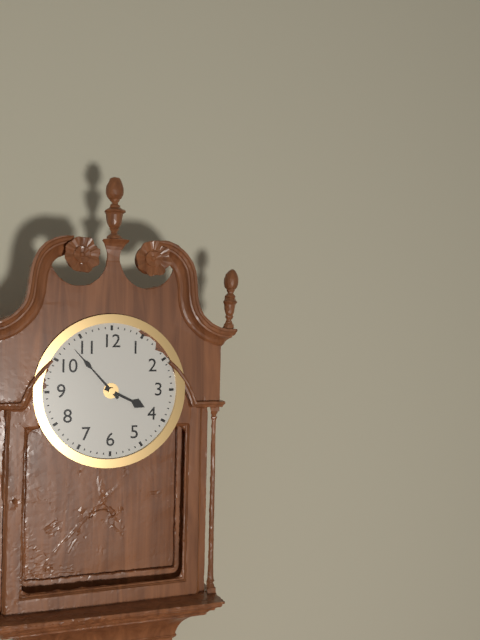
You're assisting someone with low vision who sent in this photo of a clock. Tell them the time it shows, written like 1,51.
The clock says 3,53
